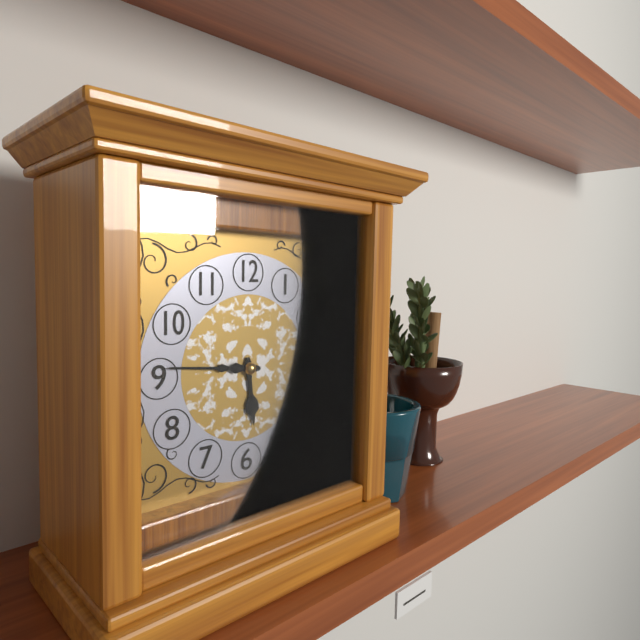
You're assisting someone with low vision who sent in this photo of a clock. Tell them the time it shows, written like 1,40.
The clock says 5,46
